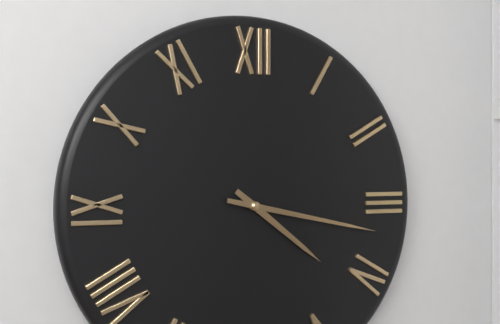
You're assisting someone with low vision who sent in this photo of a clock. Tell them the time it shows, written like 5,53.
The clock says 4,17
